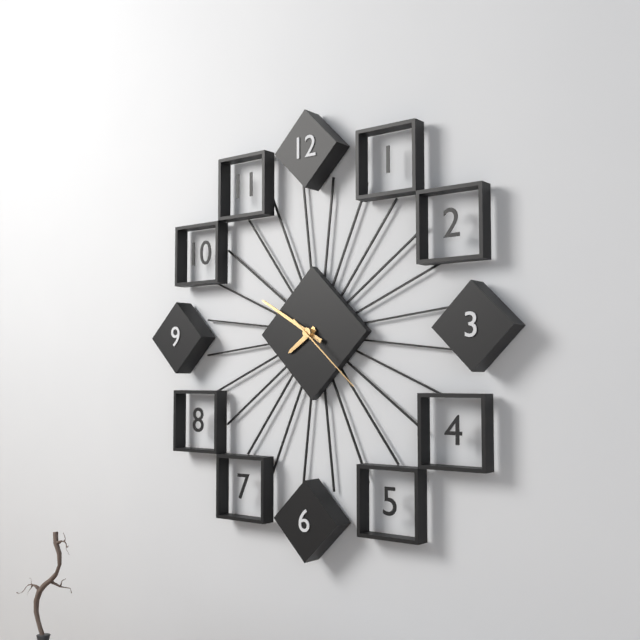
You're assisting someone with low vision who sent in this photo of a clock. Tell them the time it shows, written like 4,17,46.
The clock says 7,50,22
